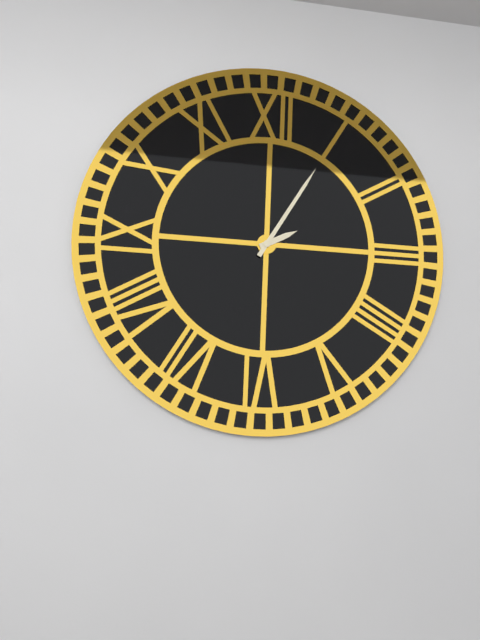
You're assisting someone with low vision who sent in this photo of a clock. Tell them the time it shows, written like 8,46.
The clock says 2,05
